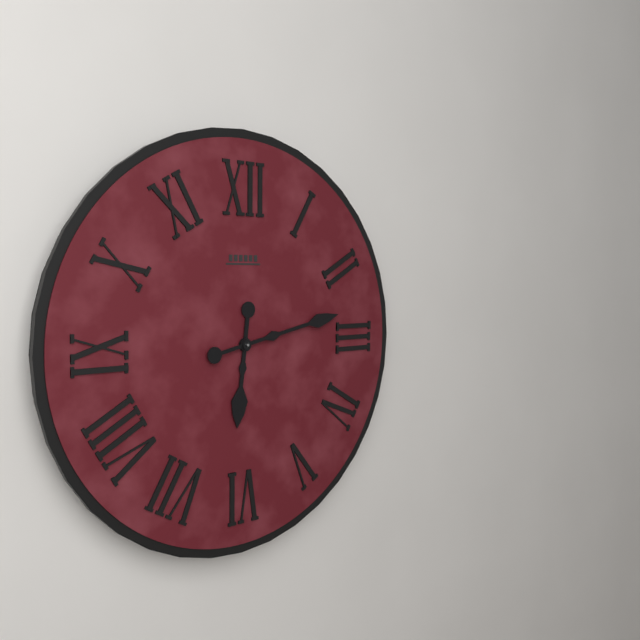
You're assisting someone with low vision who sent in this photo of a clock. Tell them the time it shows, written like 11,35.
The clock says 6,13
